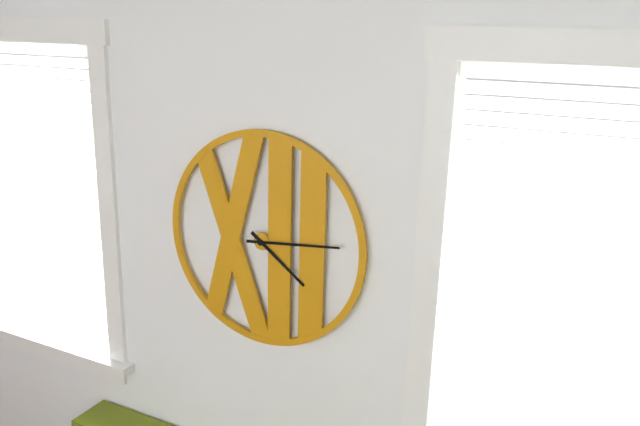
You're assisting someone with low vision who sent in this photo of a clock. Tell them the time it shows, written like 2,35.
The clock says 4,14
